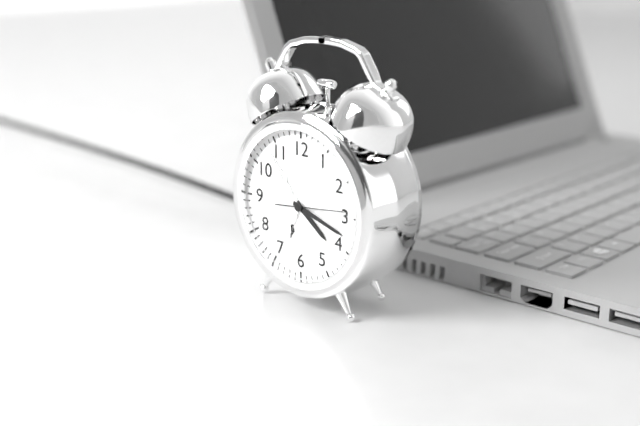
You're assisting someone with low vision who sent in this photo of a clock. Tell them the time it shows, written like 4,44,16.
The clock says 4,18,14
